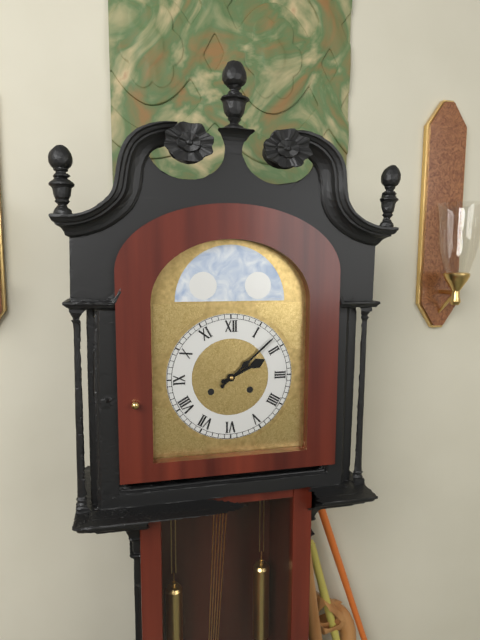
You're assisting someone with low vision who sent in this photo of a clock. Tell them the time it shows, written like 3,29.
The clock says 2,08
